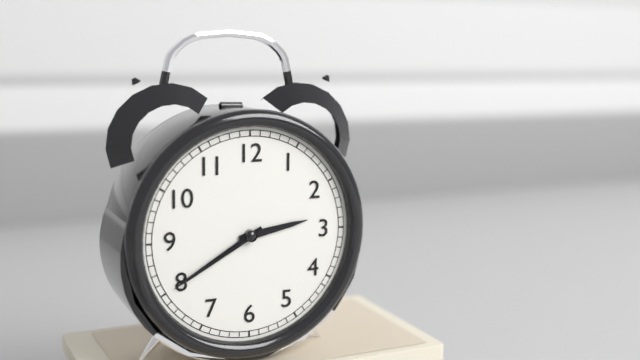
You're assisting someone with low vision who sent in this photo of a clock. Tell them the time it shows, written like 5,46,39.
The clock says 2,40,40
